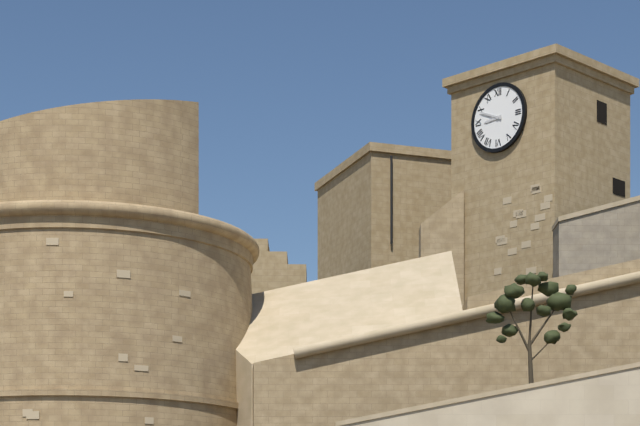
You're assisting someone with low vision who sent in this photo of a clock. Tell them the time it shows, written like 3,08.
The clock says 8,49
